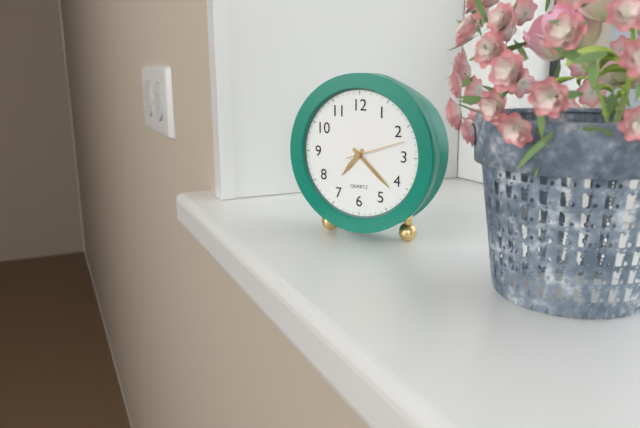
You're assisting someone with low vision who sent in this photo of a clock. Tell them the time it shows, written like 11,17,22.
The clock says 7,22,12
